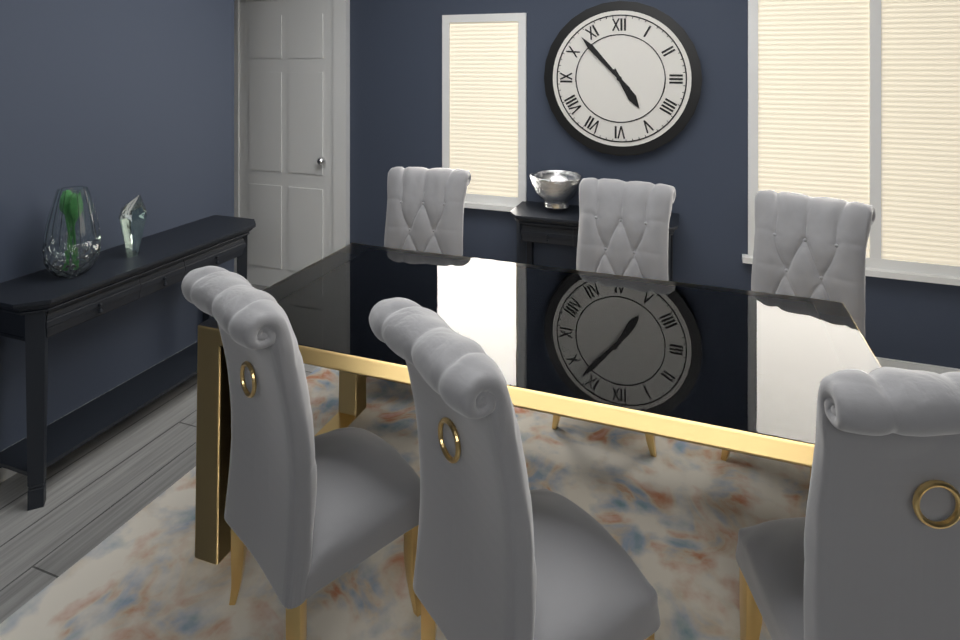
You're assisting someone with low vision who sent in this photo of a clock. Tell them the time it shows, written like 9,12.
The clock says 4,53
